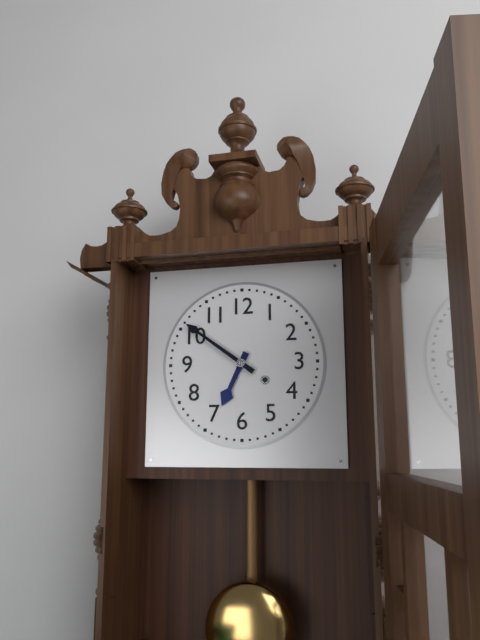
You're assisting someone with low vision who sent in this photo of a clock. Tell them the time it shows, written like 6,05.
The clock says 6,51
